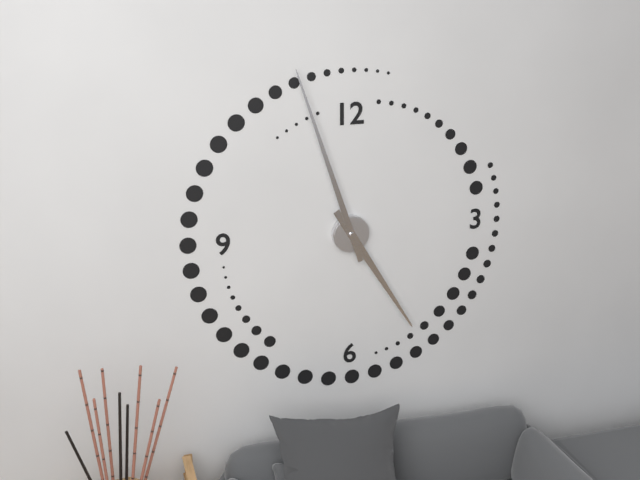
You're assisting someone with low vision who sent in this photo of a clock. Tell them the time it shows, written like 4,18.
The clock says 4,57
